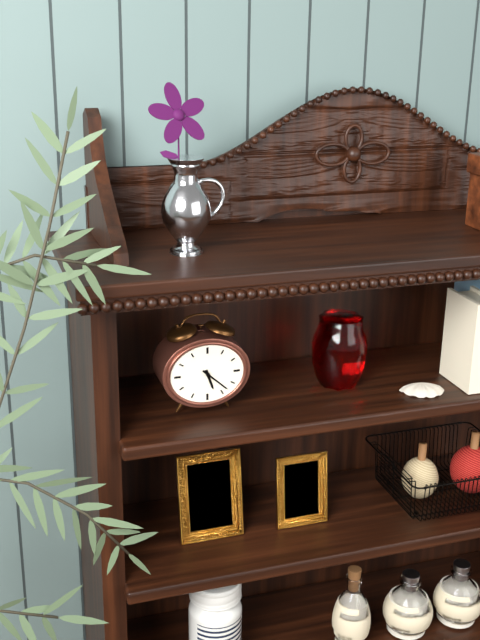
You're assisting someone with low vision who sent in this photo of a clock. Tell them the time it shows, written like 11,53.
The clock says 5,22
